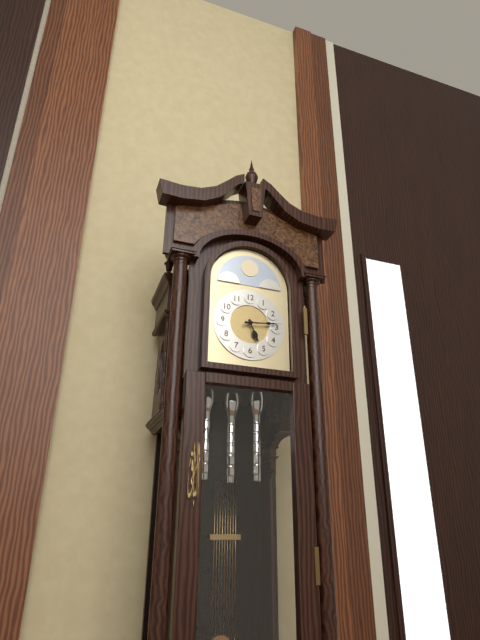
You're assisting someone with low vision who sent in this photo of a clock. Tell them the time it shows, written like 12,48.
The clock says 5,14
